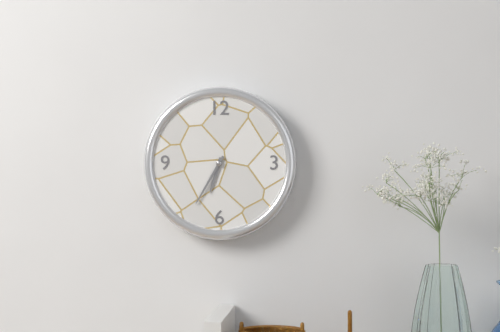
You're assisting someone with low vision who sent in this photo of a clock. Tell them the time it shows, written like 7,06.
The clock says 6,35
